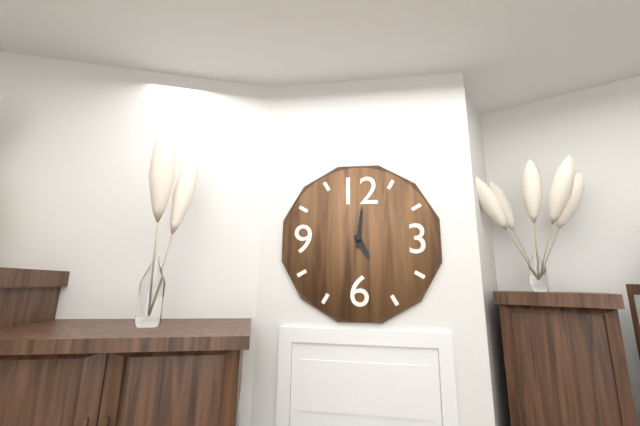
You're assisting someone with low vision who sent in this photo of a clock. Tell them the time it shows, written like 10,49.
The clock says 5,01
